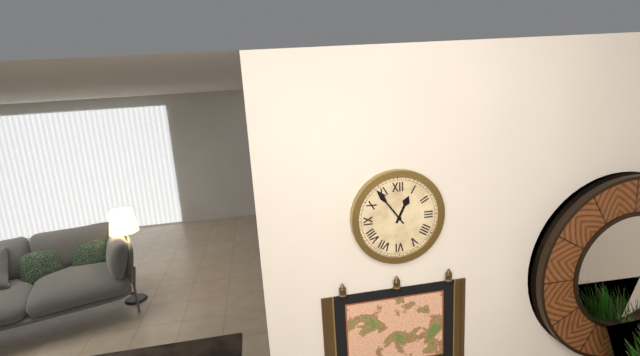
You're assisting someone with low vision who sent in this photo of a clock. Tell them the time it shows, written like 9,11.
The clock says 12,54
